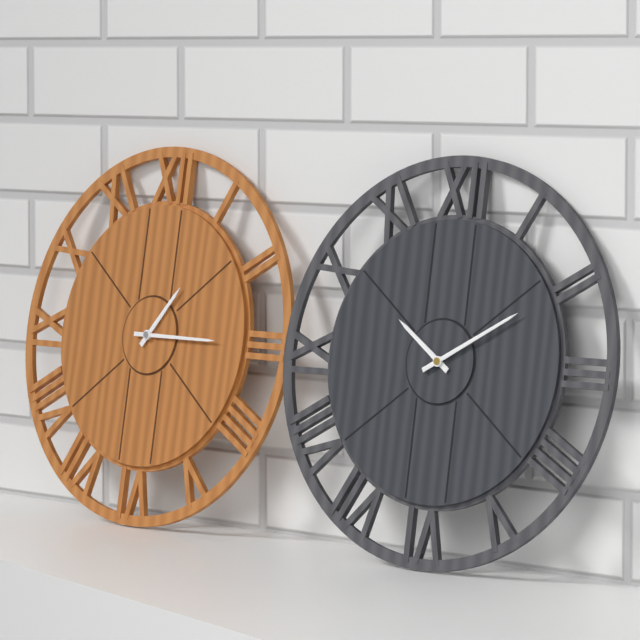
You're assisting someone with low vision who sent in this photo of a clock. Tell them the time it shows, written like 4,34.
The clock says 1,15
